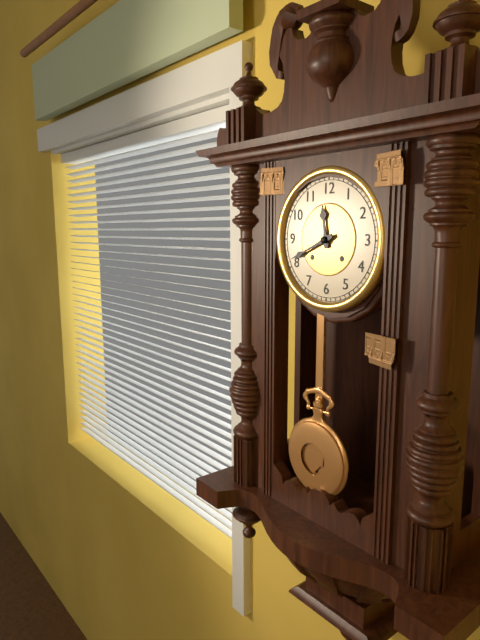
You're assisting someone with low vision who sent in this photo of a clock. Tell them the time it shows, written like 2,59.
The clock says 11,41
